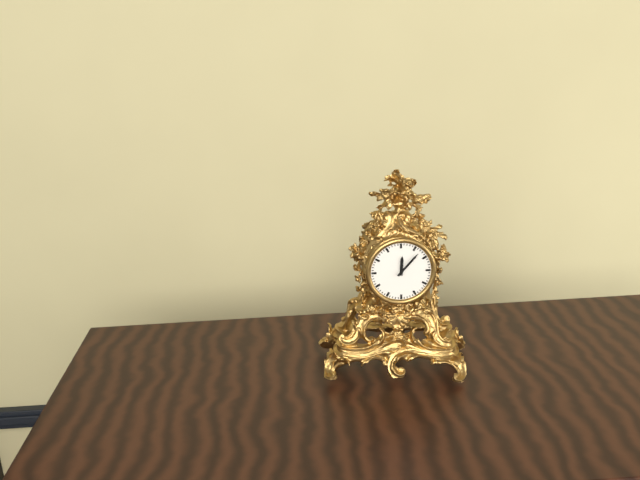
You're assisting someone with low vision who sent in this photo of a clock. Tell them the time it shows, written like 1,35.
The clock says 12,07
